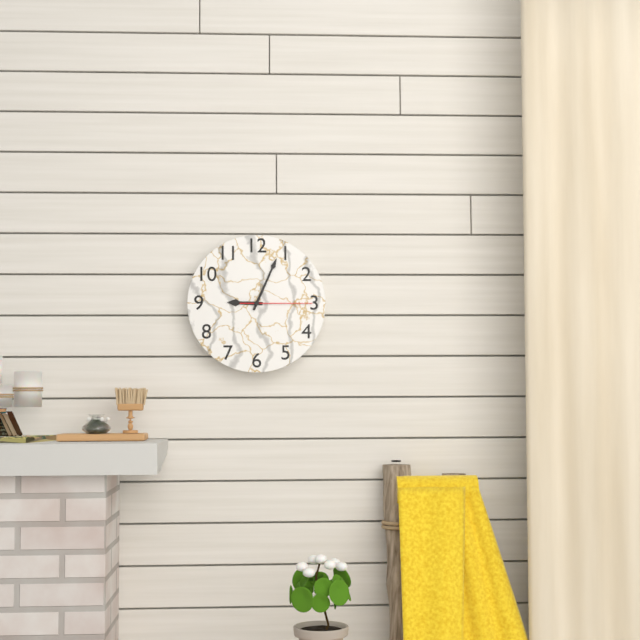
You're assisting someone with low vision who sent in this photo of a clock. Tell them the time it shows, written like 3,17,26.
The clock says 9,04,15
